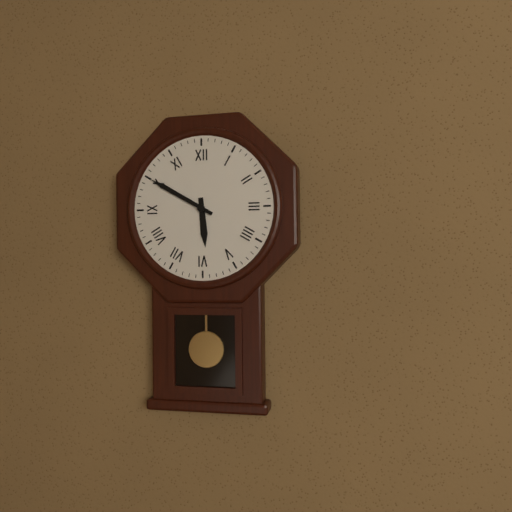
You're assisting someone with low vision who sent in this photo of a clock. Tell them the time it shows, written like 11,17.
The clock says 5,50
